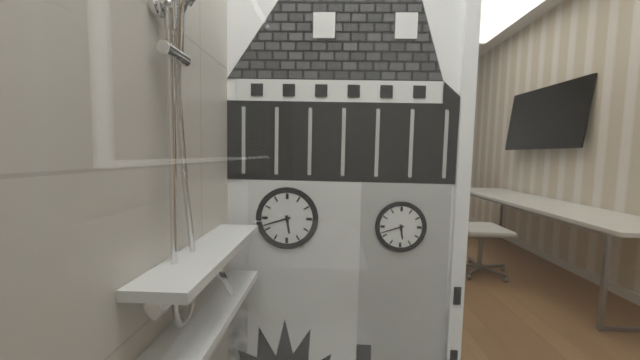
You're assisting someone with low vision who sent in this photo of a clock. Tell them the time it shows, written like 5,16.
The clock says 5,42
